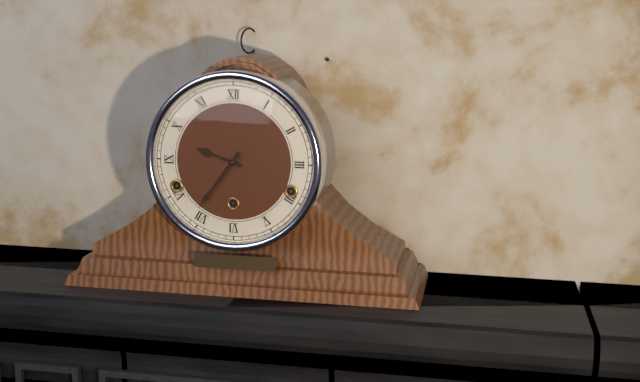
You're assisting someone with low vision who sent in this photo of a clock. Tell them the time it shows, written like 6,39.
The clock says 9,36
